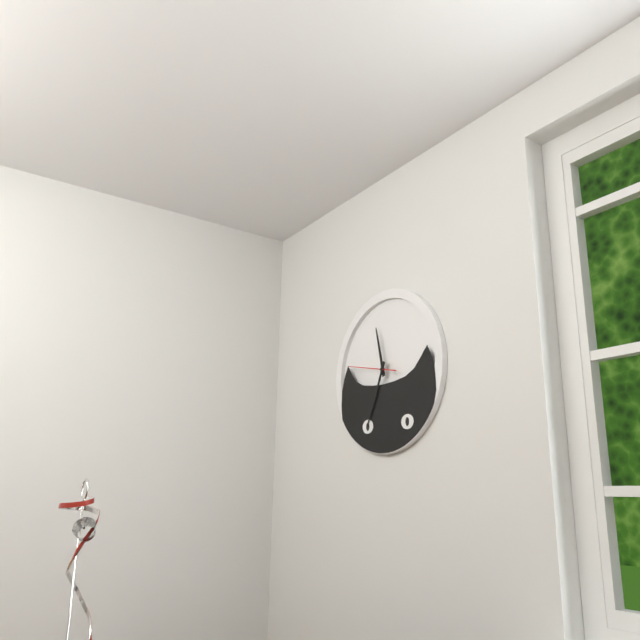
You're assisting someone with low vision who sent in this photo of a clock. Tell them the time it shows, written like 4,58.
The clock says 11,34
